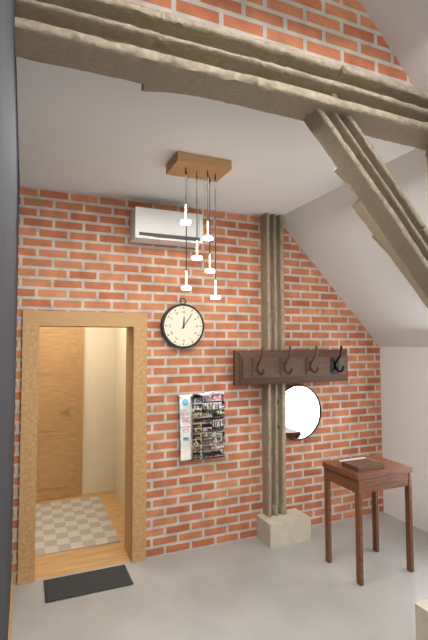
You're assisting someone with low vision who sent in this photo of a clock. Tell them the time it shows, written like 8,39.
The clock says 12,06
